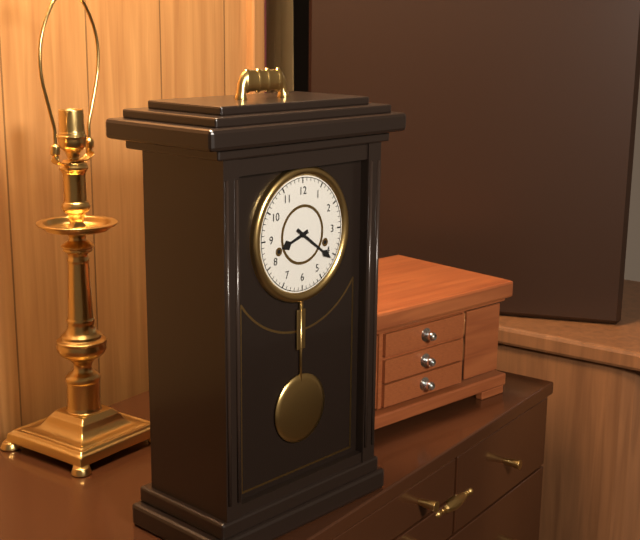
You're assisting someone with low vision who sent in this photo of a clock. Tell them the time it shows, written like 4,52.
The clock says 8,21
